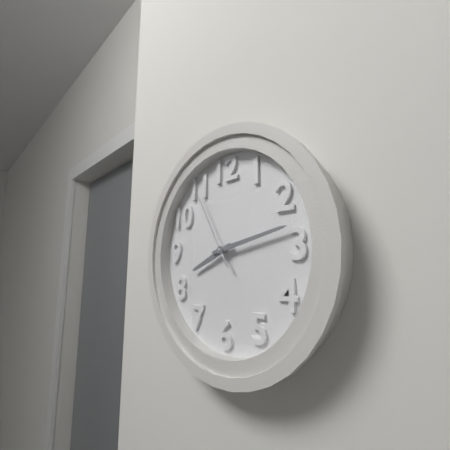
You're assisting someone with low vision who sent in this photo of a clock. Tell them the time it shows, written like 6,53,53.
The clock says 8,13,55
